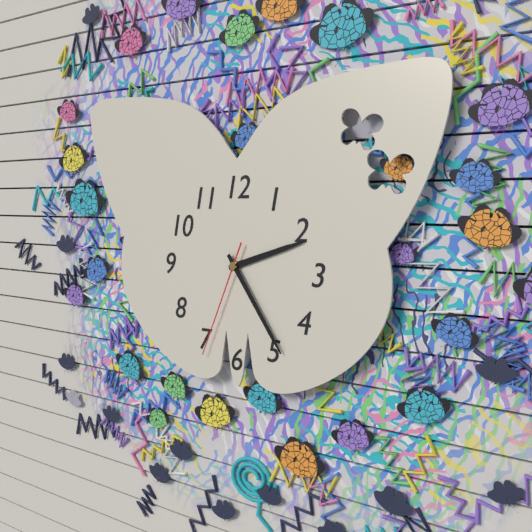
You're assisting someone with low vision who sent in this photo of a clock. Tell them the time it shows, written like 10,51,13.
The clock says 2,24,34
